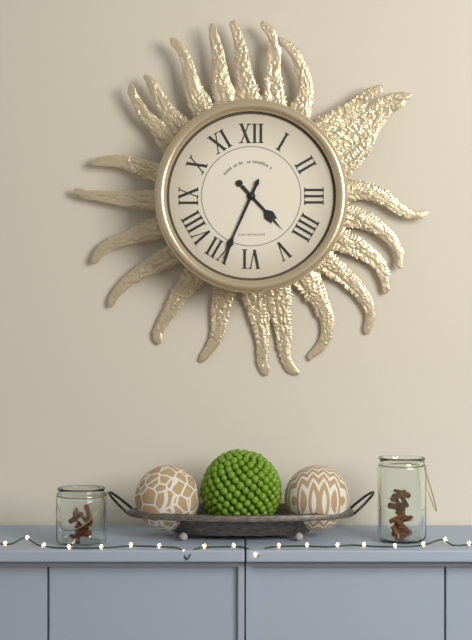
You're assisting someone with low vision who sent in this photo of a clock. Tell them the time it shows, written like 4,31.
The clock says 4,34
